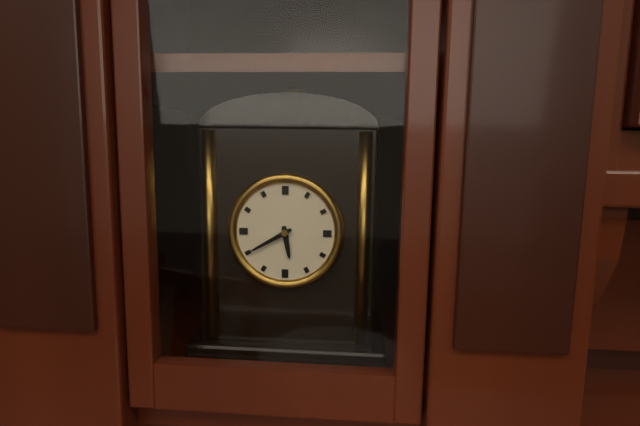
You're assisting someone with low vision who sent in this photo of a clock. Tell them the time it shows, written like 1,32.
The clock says 5,40
